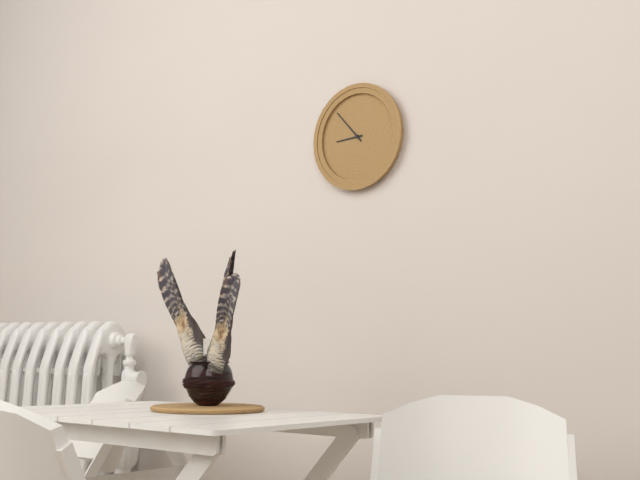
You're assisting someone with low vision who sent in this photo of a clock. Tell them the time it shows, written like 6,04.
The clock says 8,53
